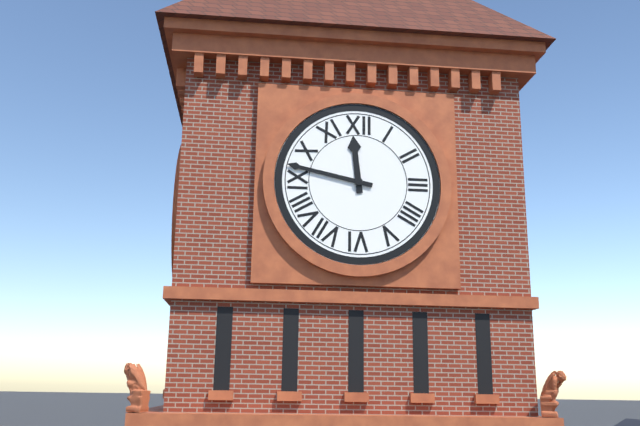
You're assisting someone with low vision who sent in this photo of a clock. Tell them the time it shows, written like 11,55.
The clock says 11,47
